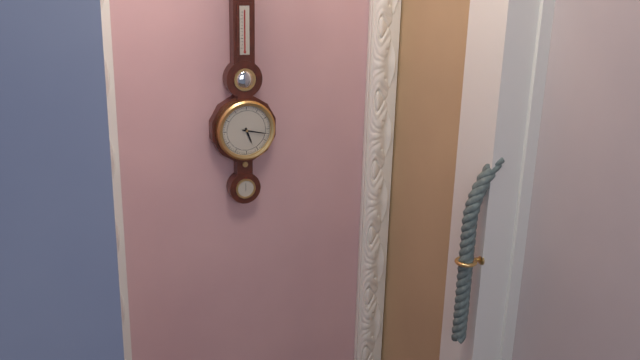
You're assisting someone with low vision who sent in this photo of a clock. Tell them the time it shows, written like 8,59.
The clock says 5,17
